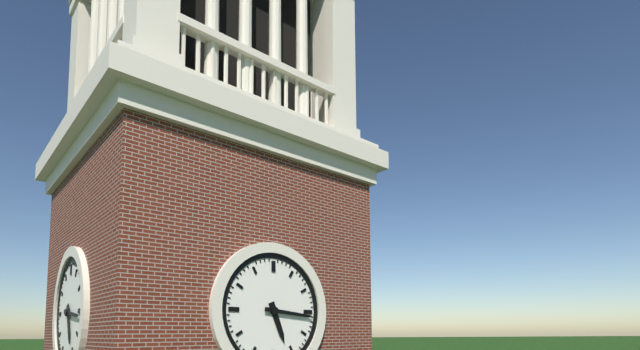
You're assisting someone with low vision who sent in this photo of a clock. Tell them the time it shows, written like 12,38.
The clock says 5,16
